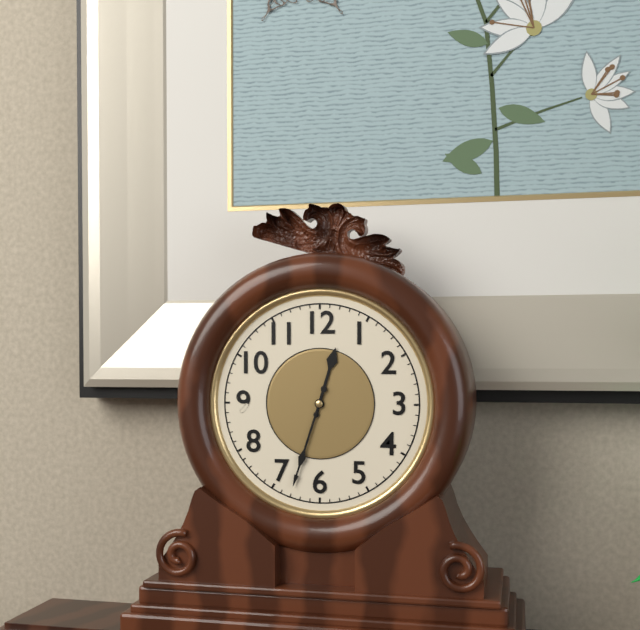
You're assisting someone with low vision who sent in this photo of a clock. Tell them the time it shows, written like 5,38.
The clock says 12,33
